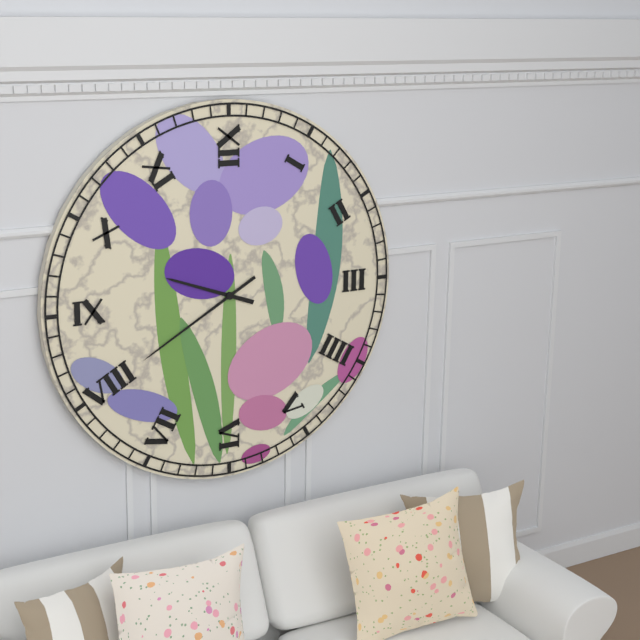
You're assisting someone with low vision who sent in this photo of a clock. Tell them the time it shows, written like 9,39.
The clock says 9,40
